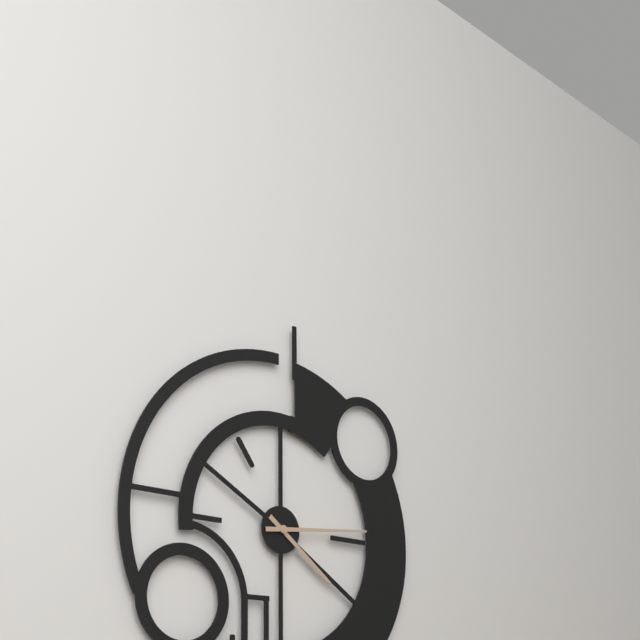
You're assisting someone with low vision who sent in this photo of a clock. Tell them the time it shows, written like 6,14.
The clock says 4,14
